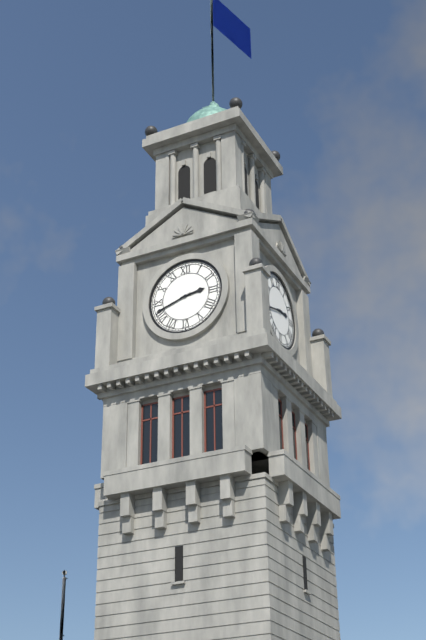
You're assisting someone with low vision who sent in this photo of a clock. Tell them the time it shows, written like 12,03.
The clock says 2,42
